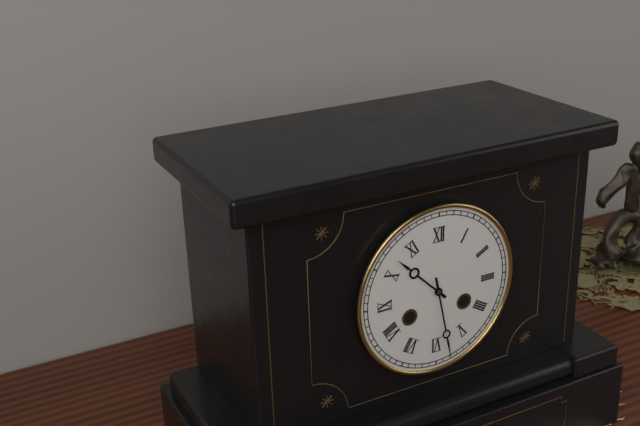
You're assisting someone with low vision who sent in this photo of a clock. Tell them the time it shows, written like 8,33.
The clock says 10,28
